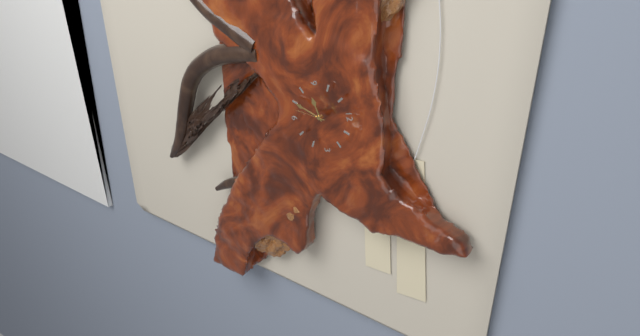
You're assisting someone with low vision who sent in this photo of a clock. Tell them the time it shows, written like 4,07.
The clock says 8,35
